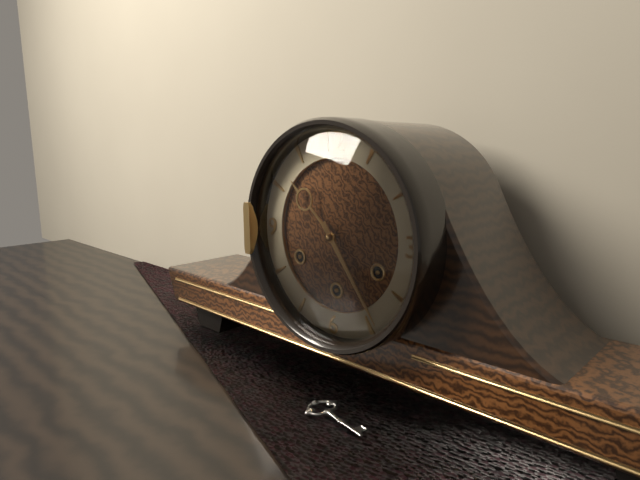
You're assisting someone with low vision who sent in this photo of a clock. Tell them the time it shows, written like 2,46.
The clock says 10,24
